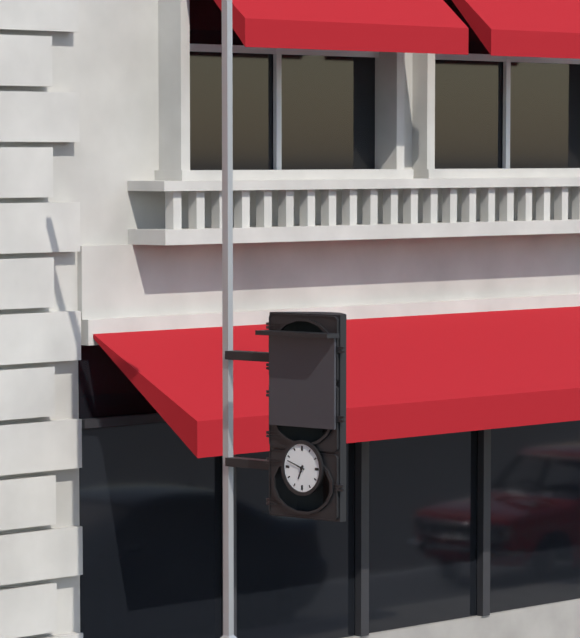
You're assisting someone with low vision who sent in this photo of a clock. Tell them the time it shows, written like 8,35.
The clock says 6,48
